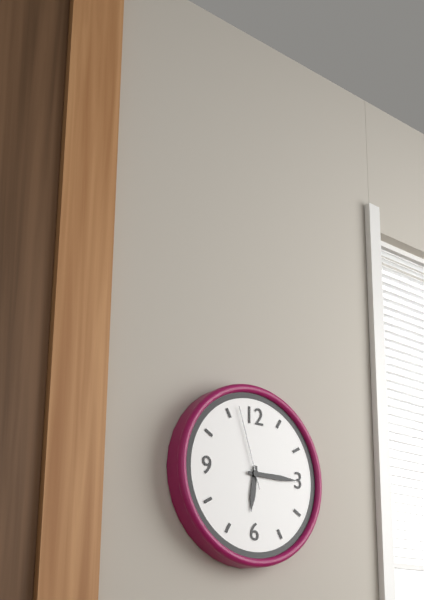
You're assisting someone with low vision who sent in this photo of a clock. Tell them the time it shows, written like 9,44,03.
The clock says 6,15,57
